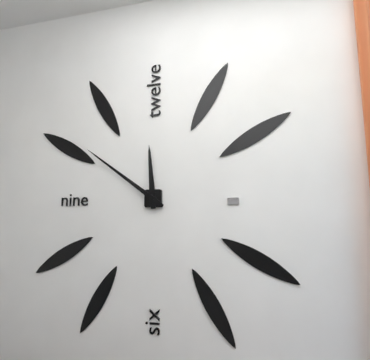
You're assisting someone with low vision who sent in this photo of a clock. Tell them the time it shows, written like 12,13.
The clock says 11,51
